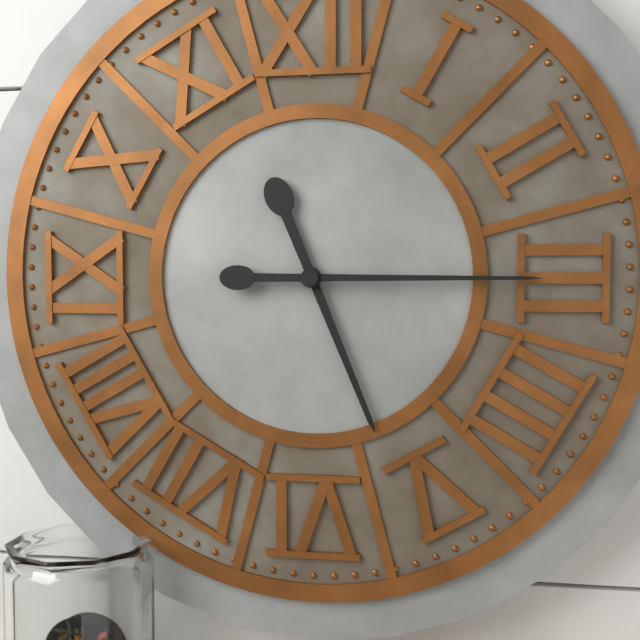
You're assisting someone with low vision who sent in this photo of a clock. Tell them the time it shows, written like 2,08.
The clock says 5,15
